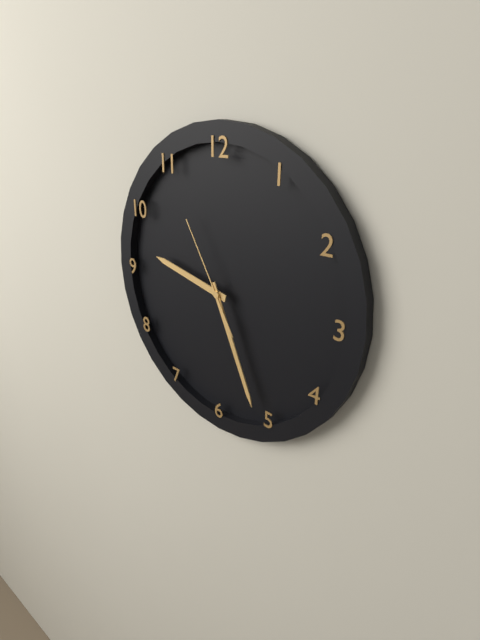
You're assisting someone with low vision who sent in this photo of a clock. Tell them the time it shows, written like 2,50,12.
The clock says 9,26,55
